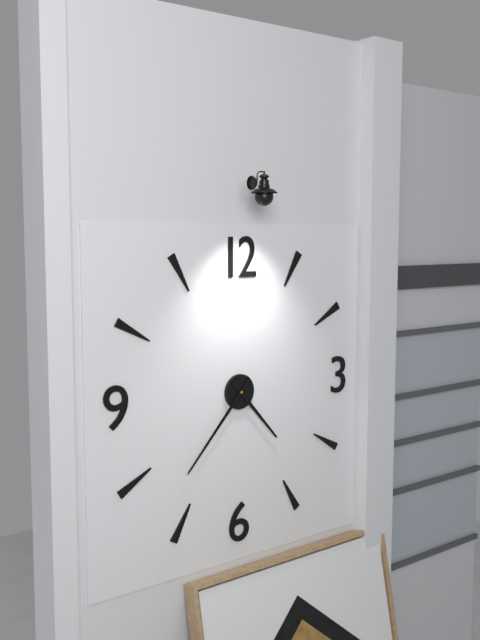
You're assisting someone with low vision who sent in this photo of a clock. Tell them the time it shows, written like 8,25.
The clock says 4,37
